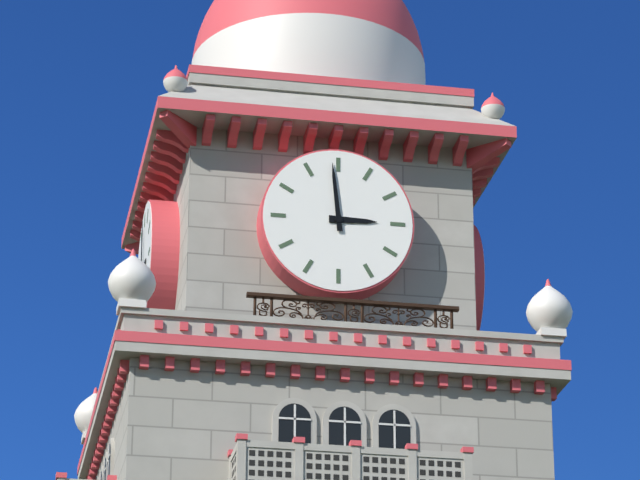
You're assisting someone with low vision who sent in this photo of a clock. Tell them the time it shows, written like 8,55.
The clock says 2,59
